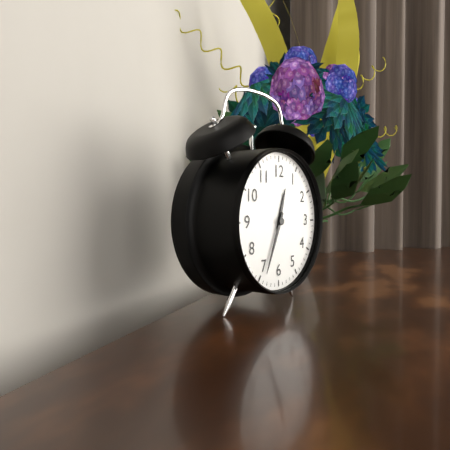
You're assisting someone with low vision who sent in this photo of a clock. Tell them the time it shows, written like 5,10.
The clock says 12,34
